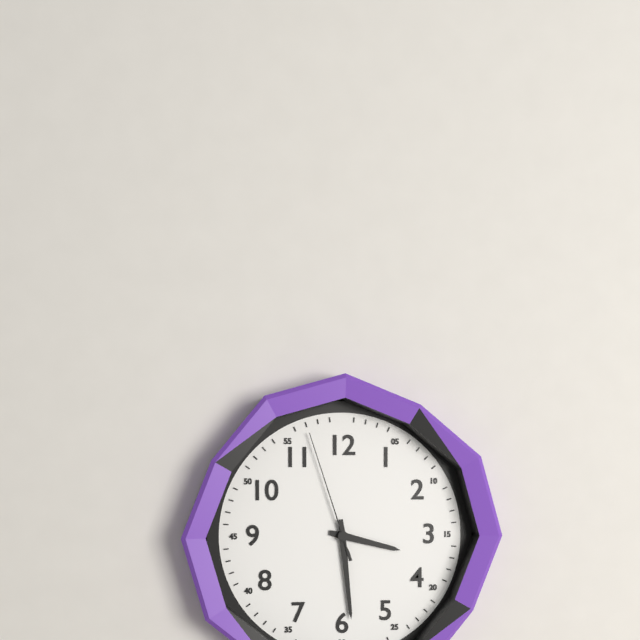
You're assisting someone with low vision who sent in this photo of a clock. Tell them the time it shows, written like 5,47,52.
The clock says 3,29,57
